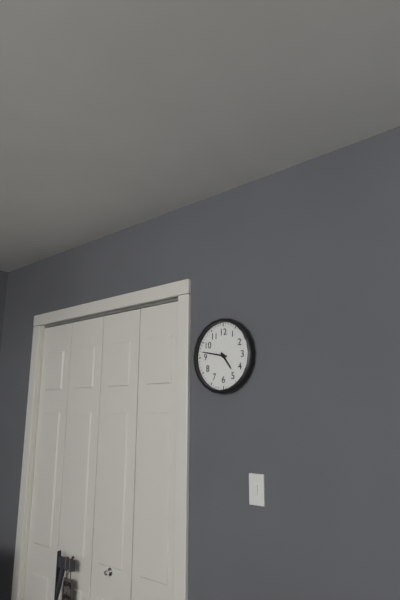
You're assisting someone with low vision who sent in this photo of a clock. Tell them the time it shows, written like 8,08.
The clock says 4,47
